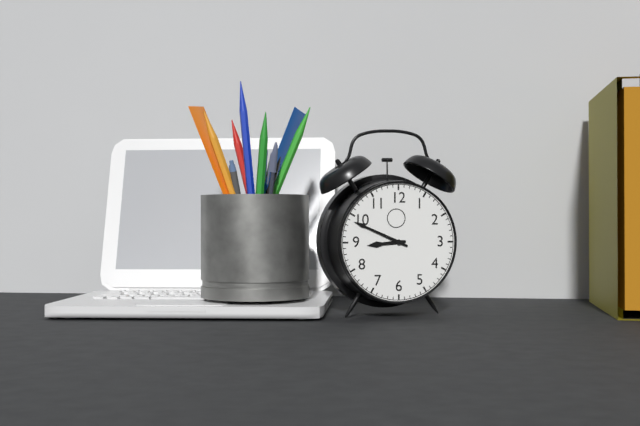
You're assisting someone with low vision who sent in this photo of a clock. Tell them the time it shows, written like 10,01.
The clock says 8,49
